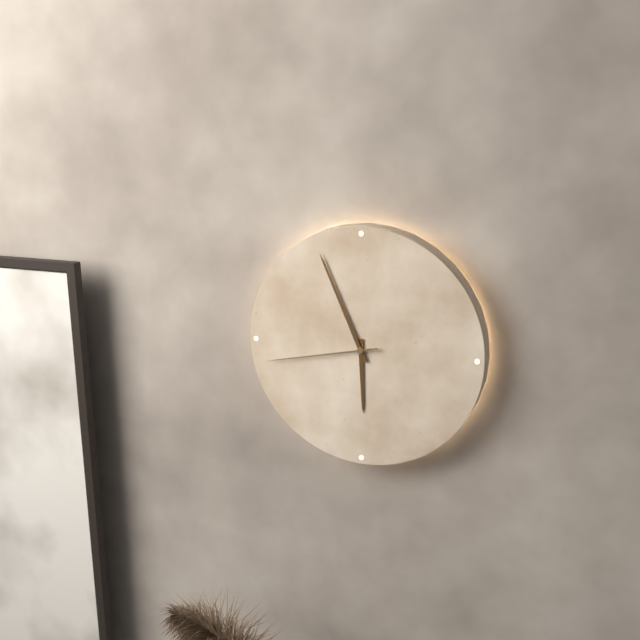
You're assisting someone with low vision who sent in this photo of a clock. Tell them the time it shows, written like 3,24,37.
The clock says 5,56,43
